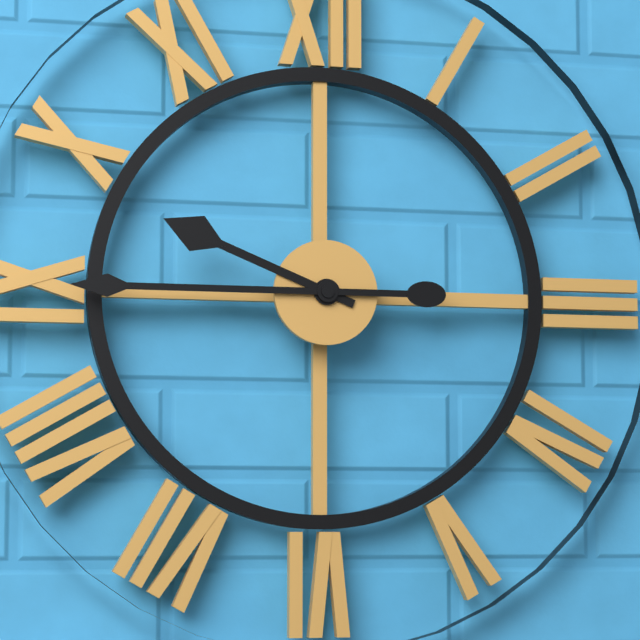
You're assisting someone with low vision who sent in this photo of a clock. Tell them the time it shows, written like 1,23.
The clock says 9,45
